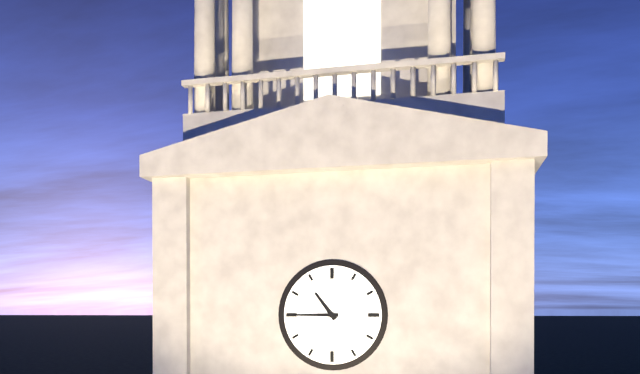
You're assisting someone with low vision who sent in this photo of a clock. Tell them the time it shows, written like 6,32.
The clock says 10,45
